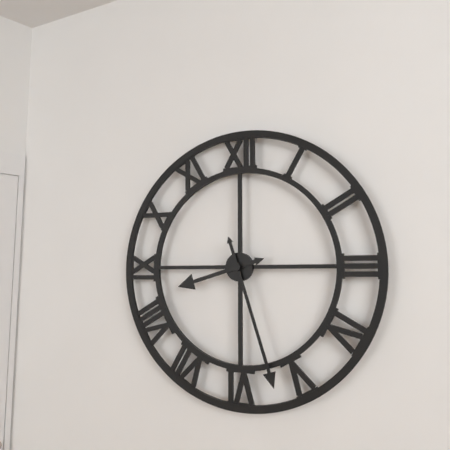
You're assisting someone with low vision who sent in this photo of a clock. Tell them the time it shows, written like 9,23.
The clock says 8,27
